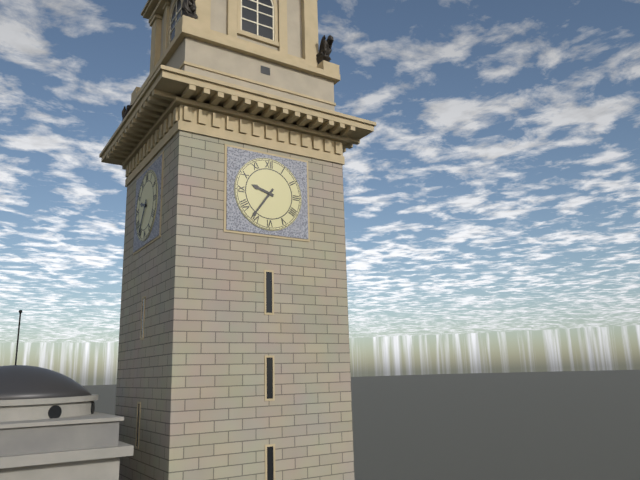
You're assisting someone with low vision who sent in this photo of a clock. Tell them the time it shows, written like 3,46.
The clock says 9,36
